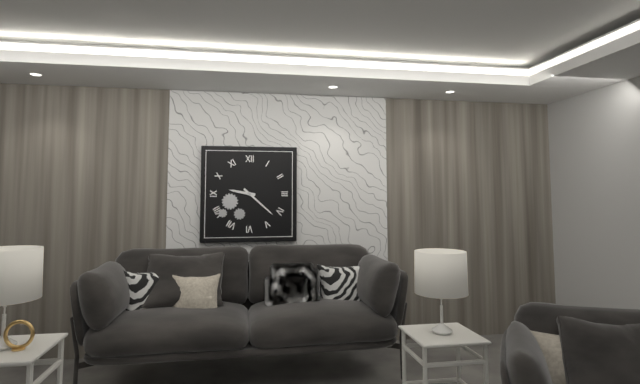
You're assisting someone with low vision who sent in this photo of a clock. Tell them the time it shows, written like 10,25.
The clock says 9,22
